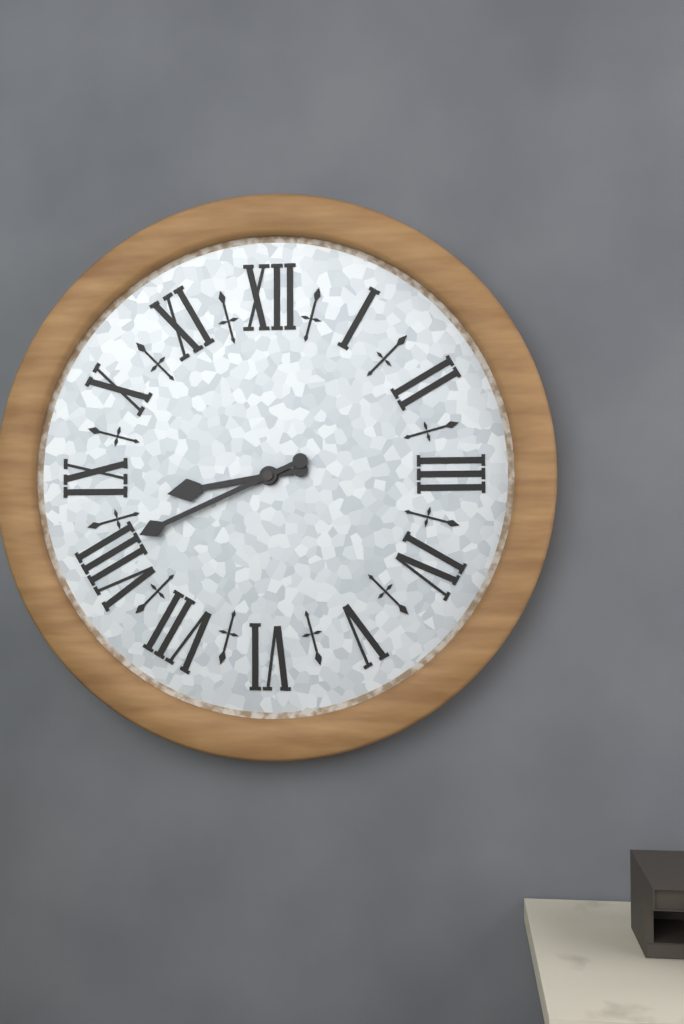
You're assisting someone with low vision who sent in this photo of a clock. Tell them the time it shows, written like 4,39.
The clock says 8,41
